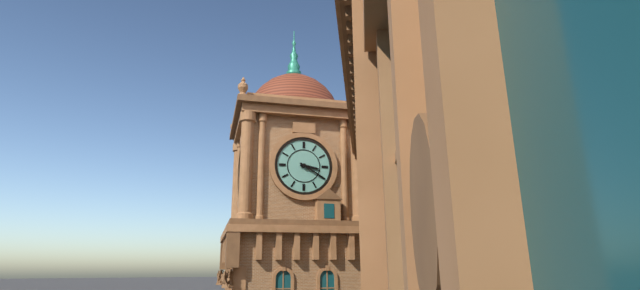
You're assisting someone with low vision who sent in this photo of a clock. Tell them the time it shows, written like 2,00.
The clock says 3,20
